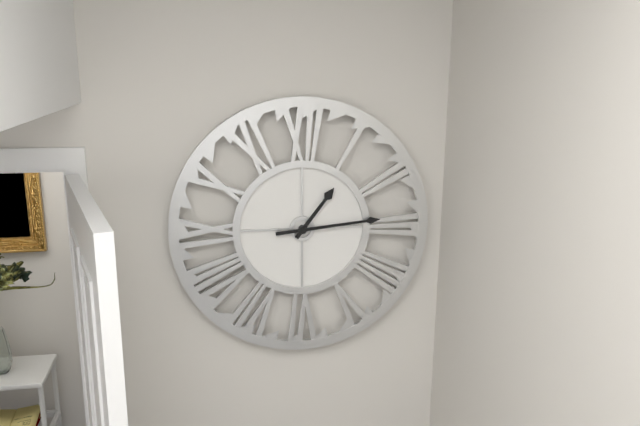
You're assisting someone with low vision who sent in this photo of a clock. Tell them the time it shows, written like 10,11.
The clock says 1,14
